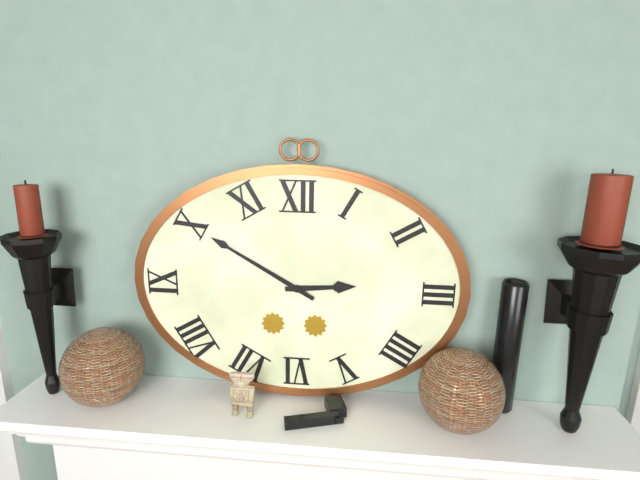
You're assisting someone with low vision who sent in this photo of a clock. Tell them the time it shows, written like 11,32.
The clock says 2,50
